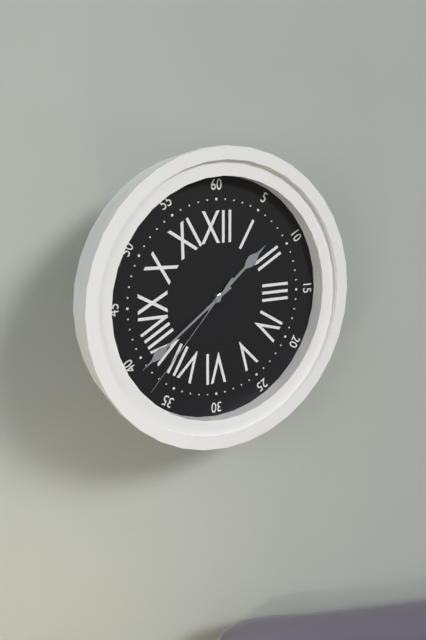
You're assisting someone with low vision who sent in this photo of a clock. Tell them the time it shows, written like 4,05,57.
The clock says 1,39,37
